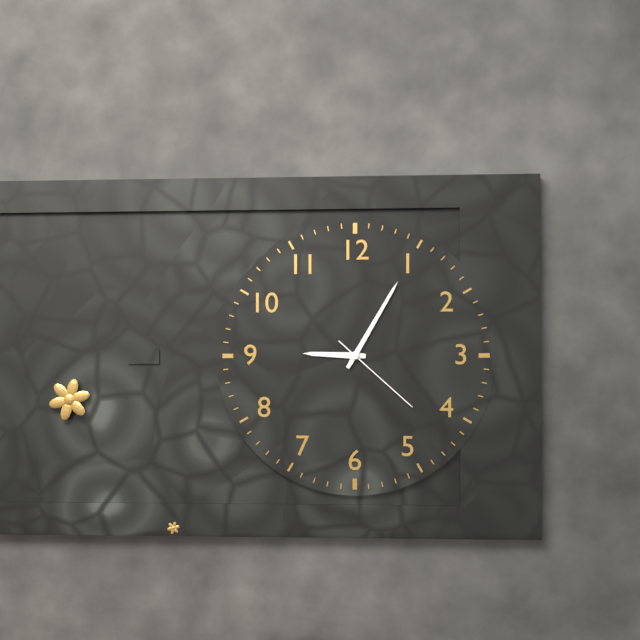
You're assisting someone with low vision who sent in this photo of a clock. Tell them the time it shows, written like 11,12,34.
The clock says 9,05,22
